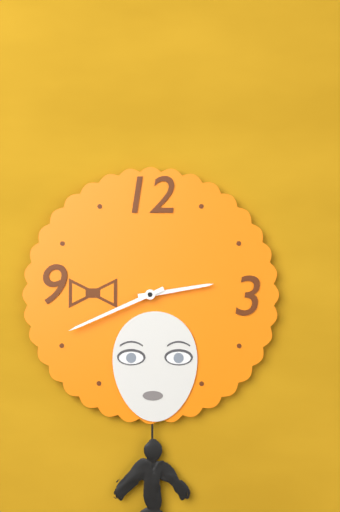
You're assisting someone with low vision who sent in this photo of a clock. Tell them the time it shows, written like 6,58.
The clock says 2,41
